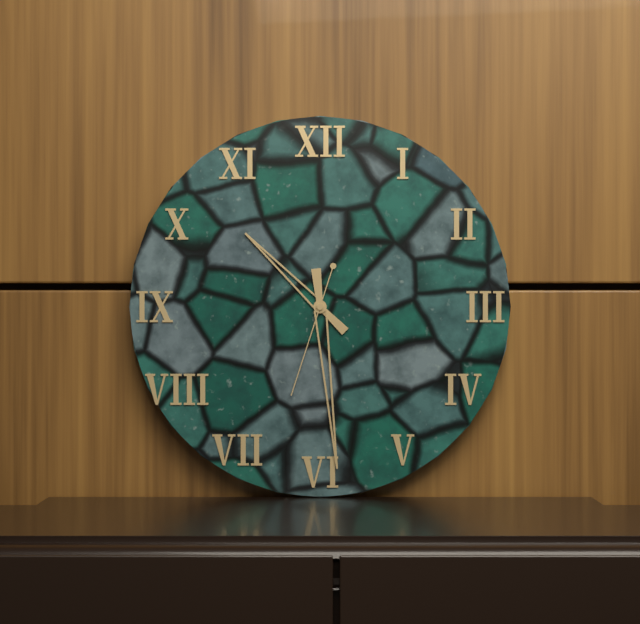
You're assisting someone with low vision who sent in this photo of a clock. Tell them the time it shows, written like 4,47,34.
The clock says 10,29,33
